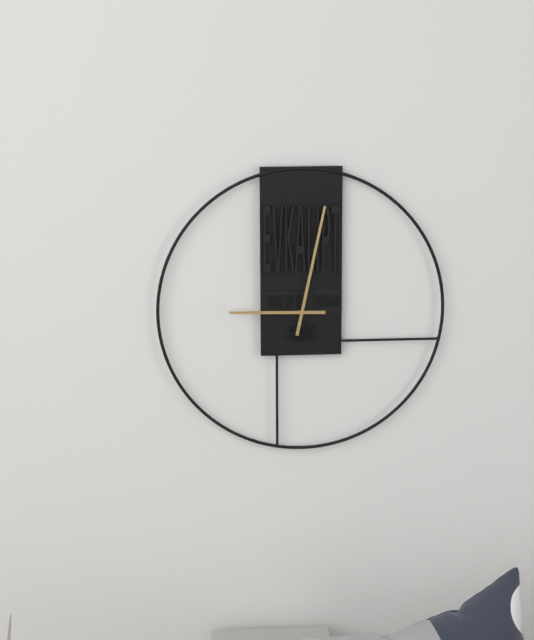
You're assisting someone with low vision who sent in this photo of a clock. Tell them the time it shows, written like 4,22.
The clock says 9,02
